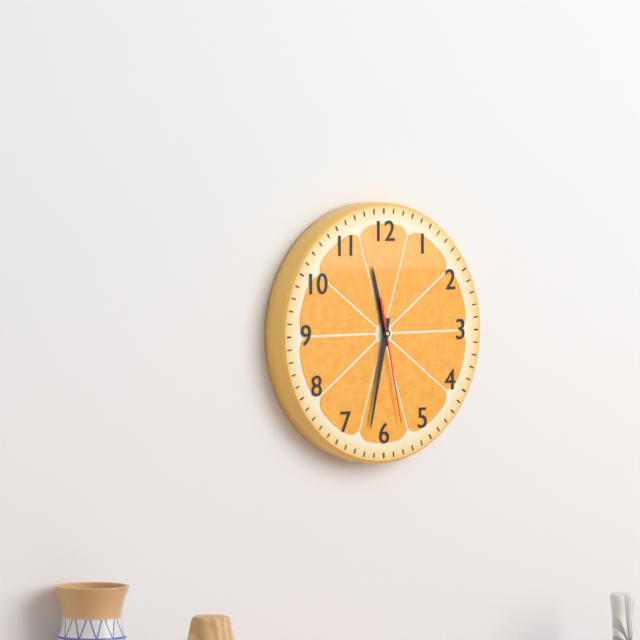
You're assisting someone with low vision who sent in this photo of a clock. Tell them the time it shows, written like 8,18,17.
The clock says 11,32,28
